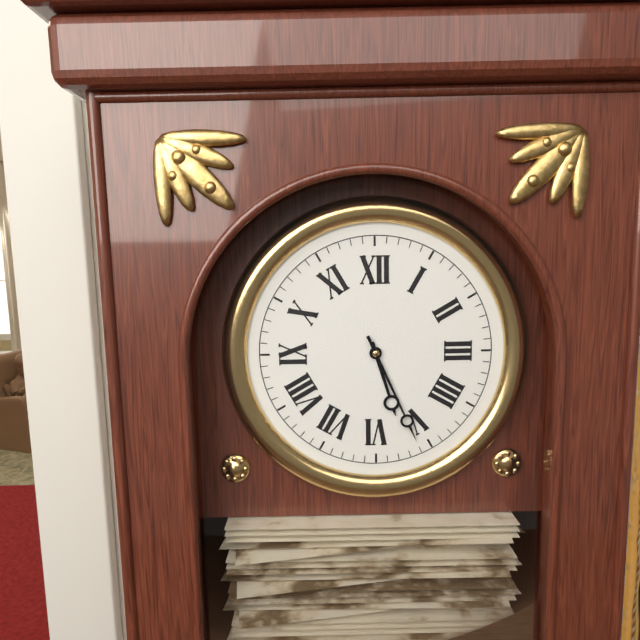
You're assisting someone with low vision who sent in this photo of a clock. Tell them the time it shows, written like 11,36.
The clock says 5,26
